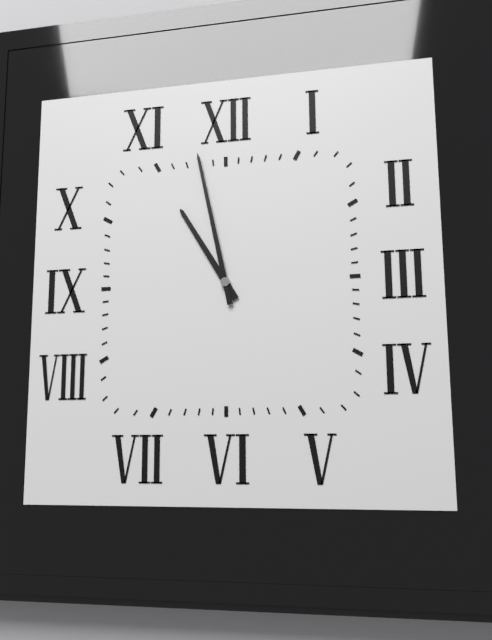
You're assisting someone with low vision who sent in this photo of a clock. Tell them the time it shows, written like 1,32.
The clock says 10,58
